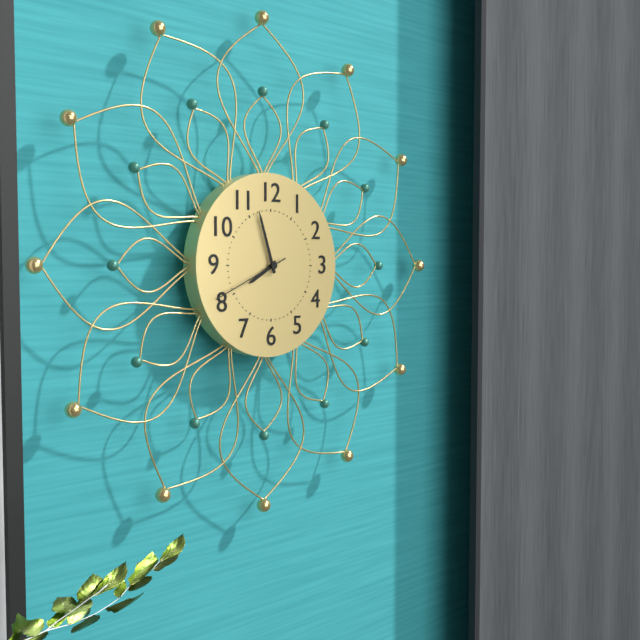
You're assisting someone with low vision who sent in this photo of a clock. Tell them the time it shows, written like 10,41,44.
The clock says 7,57,41
